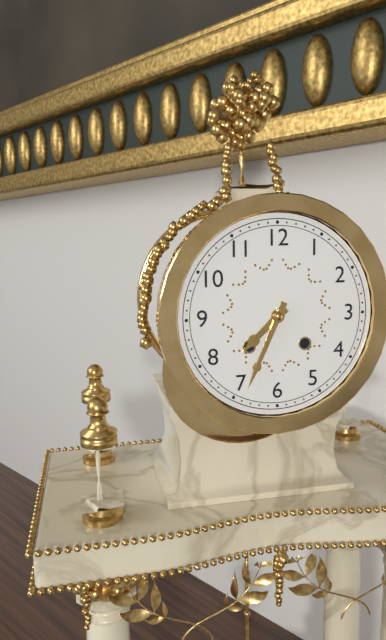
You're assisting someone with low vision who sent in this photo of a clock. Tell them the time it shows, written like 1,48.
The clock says 7,34
